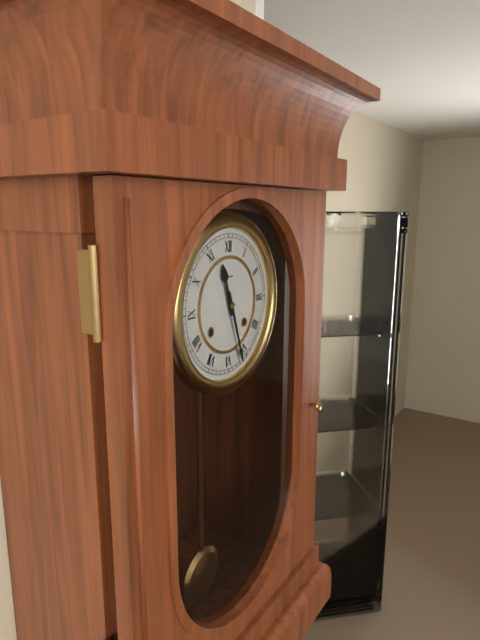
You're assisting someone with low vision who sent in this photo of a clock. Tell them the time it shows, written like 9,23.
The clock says 11,27
